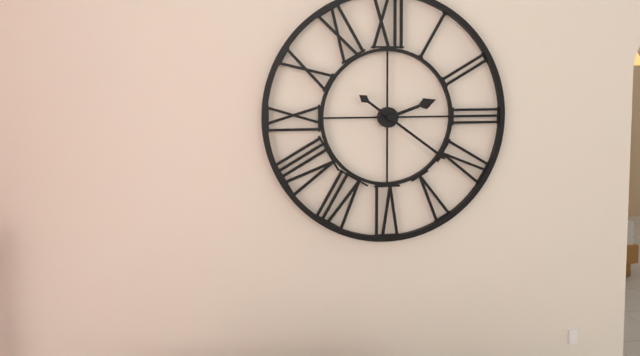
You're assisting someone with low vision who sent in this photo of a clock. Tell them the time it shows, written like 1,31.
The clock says 2,21
